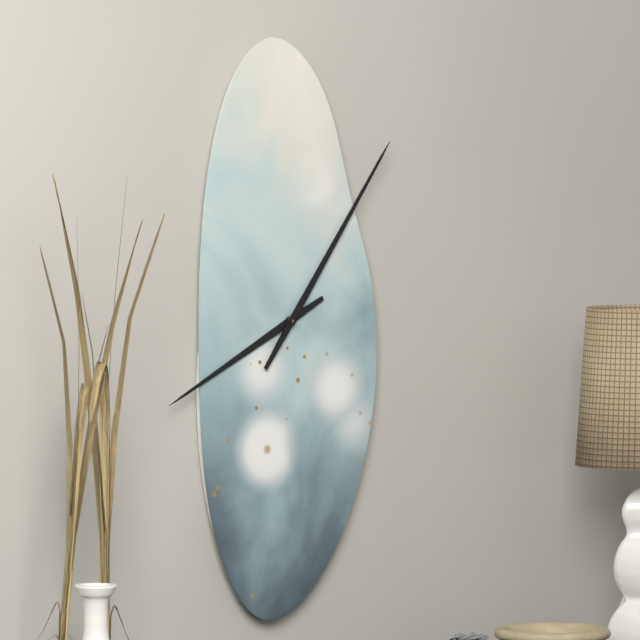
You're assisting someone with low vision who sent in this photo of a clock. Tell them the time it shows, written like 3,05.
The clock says 8,06
